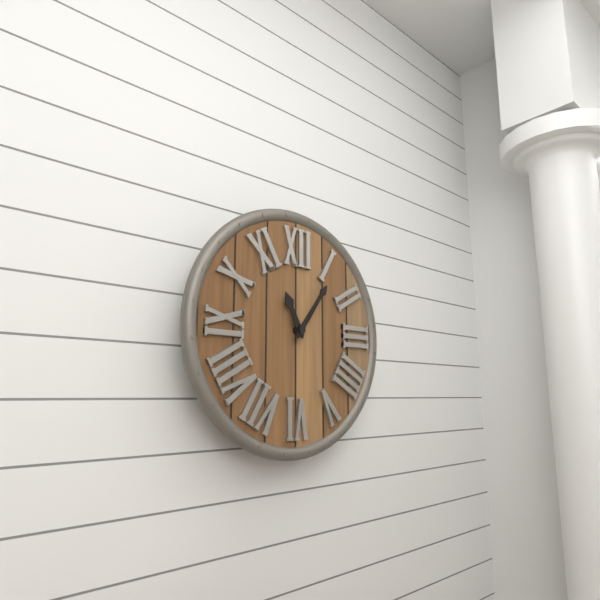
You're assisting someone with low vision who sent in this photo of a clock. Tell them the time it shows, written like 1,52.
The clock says 11,06
